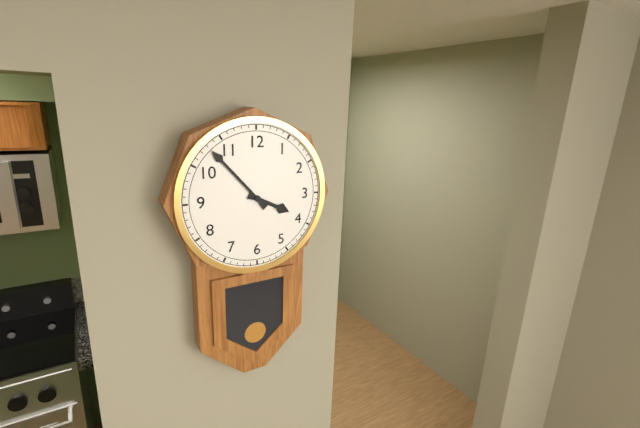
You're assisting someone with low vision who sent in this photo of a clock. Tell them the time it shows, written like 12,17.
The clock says 3,53
